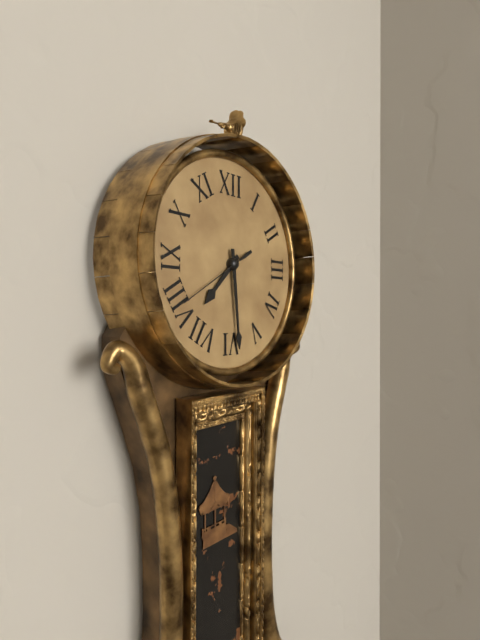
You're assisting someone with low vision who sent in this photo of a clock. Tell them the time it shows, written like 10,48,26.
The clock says 7,29,40
